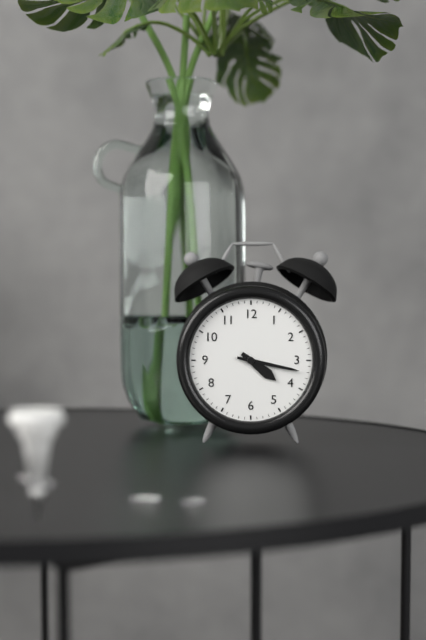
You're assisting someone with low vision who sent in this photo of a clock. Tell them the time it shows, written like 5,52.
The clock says 4,17
